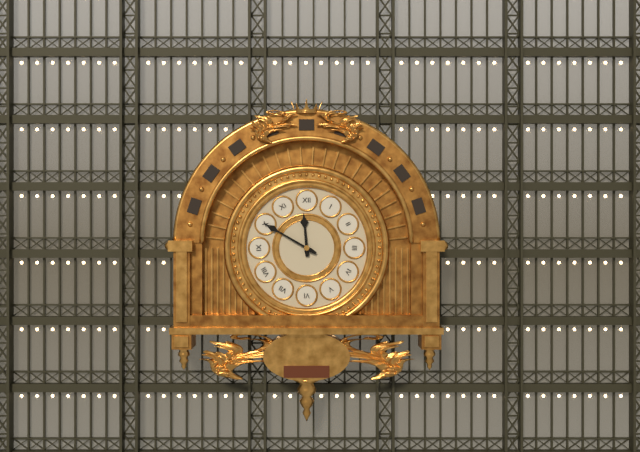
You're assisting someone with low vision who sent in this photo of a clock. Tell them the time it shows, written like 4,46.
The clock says 11,50
